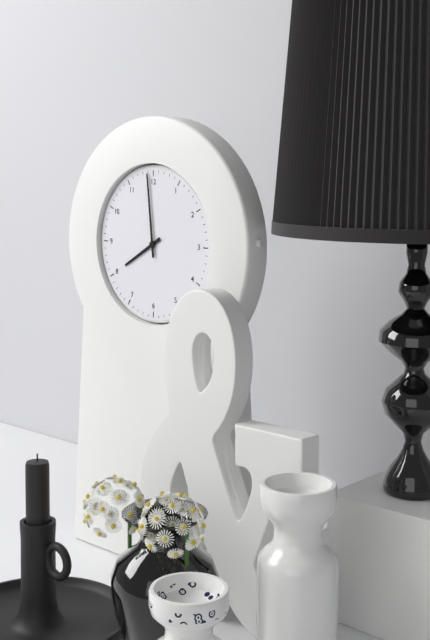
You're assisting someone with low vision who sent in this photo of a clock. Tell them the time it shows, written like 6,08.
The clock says 7,59
